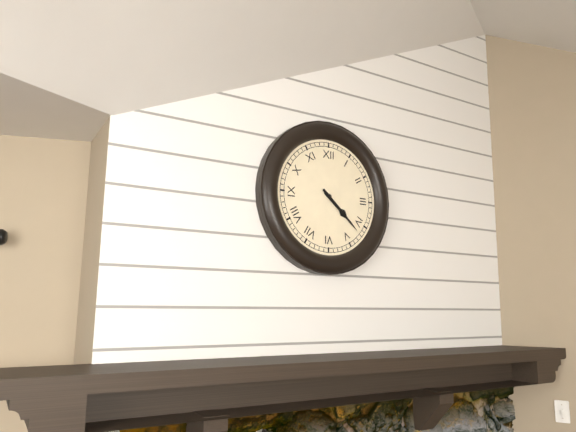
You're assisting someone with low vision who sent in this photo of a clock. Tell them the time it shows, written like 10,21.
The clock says 4,22
